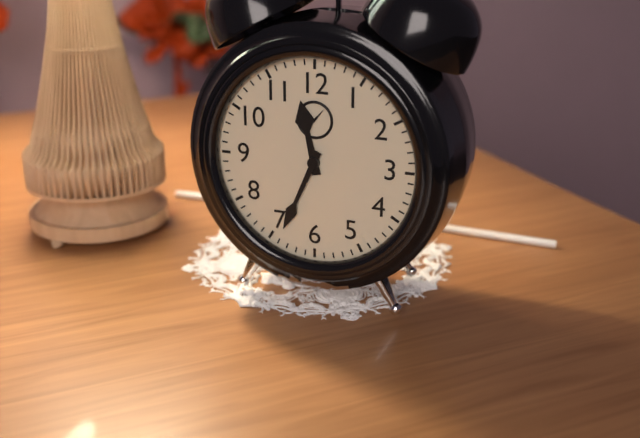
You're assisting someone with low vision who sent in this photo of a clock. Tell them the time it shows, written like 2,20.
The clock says 11,34
